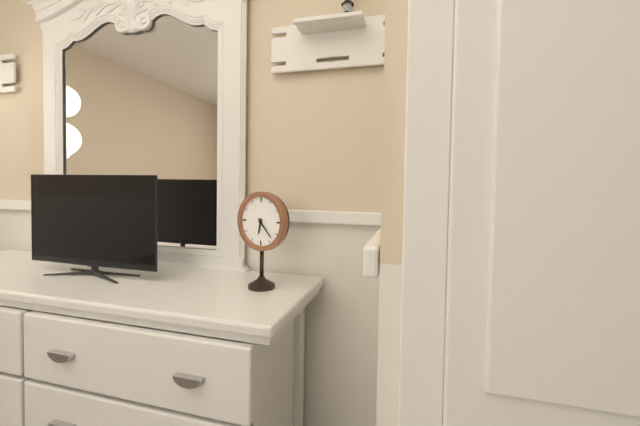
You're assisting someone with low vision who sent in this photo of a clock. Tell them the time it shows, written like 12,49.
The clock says 6,23
